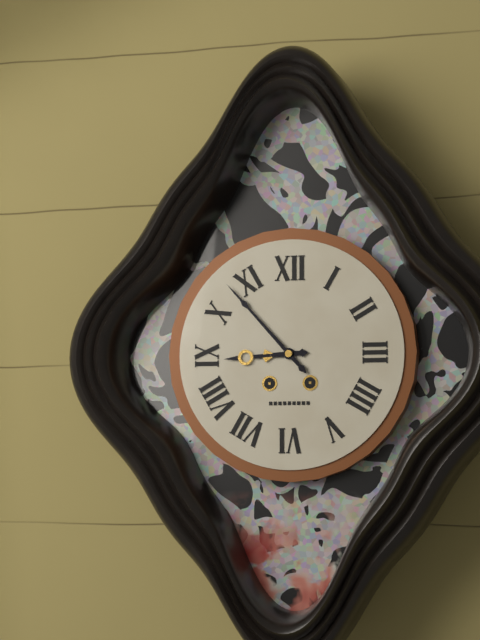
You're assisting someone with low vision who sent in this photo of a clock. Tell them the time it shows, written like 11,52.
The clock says 8,53
